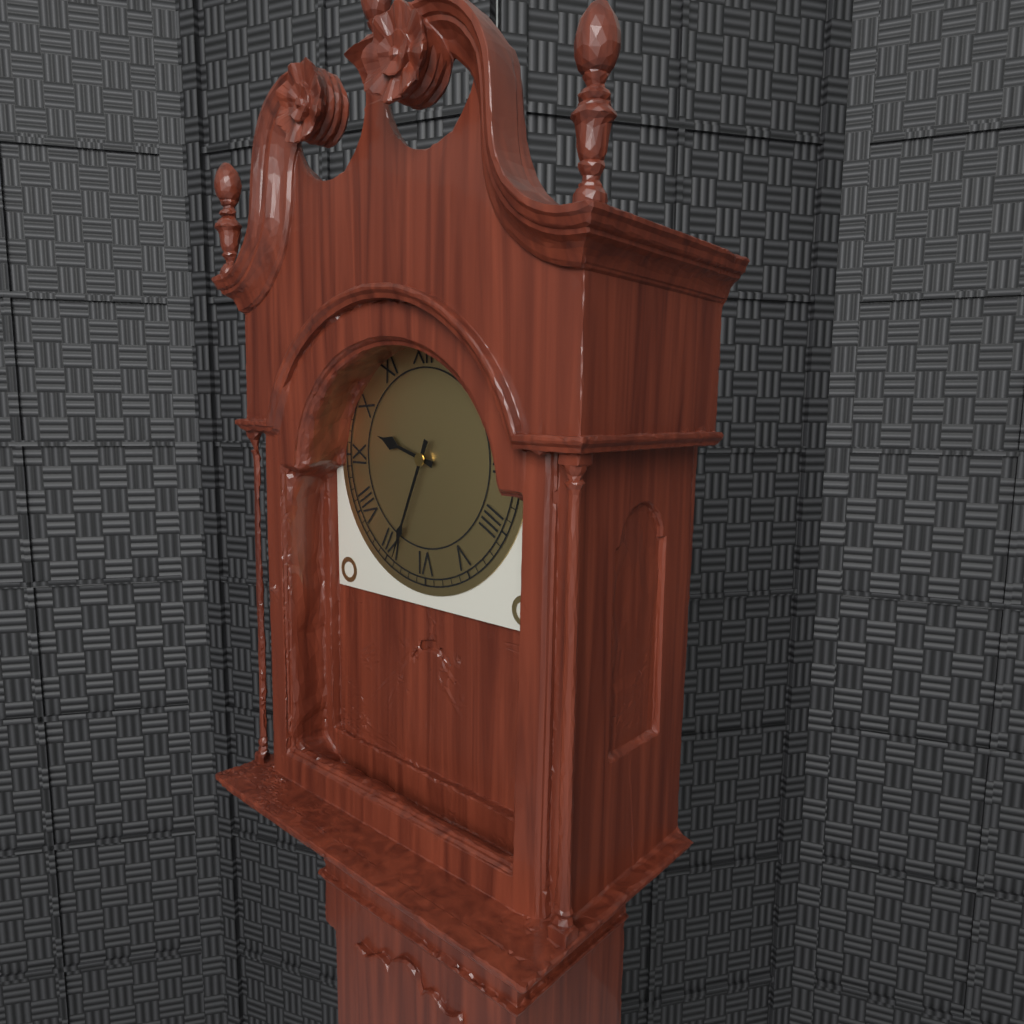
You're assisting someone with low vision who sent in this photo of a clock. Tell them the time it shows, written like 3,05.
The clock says 9,34
